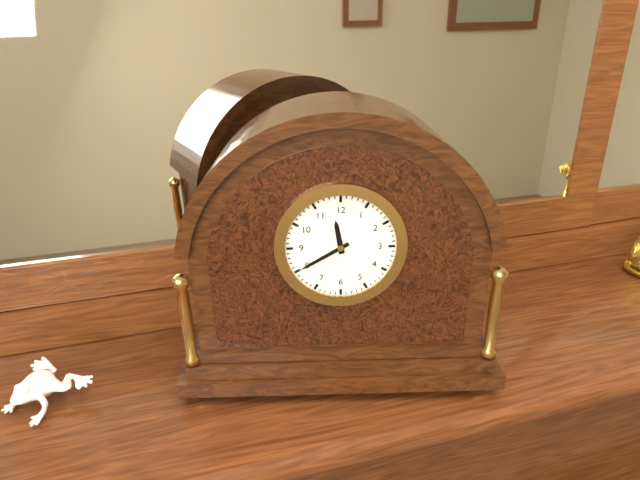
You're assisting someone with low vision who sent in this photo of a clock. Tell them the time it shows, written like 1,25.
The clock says 11,40
